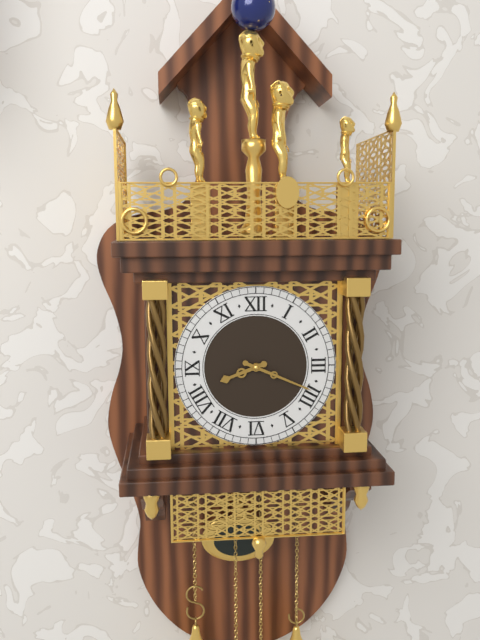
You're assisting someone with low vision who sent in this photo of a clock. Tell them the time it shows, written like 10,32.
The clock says 8,19
